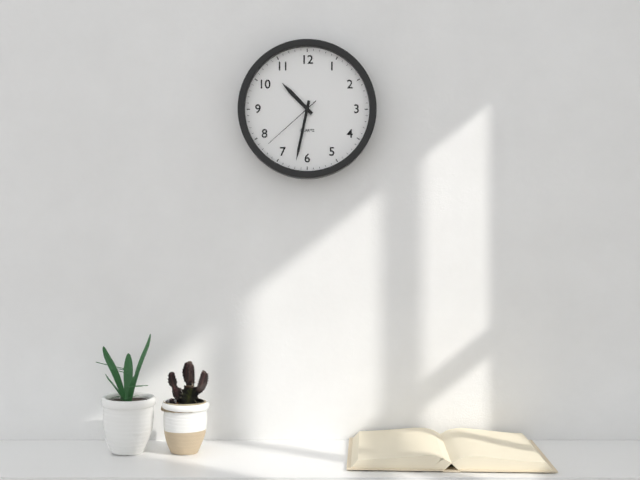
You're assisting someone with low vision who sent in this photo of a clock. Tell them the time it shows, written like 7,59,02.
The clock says 10,32,38
